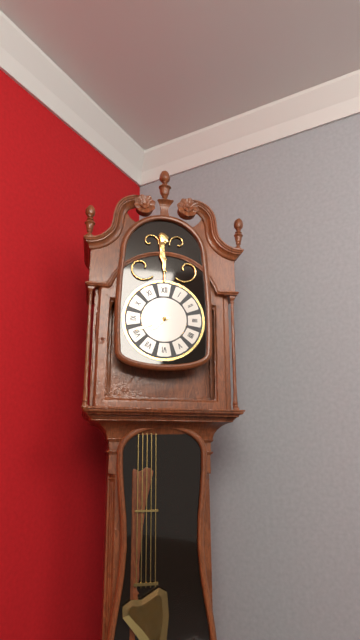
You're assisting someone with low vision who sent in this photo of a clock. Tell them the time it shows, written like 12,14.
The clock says 7,41
